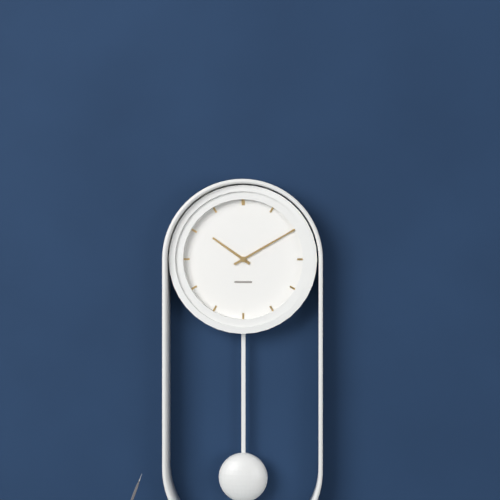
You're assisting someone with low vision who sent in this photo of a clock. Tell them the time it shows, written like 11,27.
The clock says 10,10
